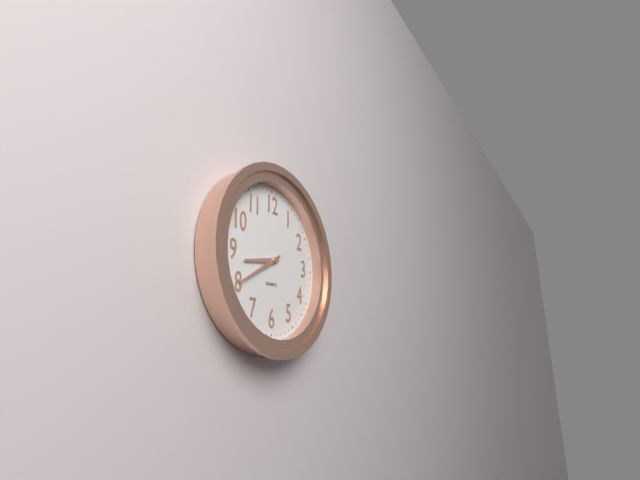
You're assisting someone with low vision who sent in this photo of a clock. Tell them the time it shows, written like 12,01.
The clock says 8,40
